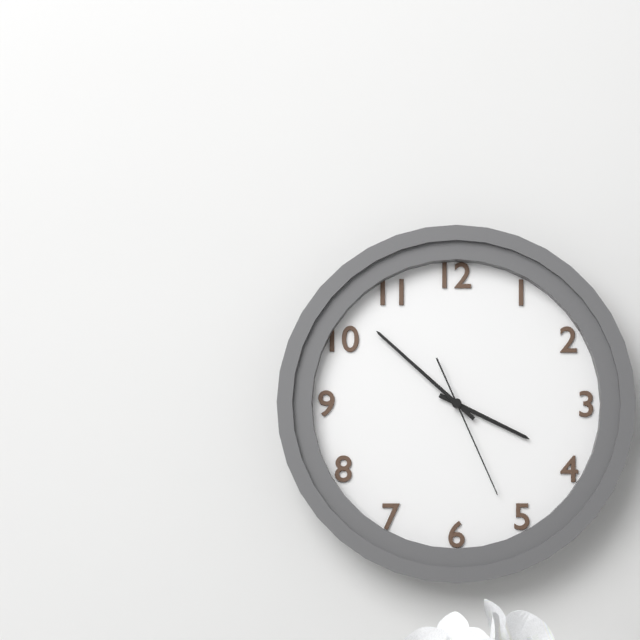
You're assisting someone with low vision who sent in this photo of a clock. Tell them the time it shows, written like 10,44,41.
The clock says 3,52,26
